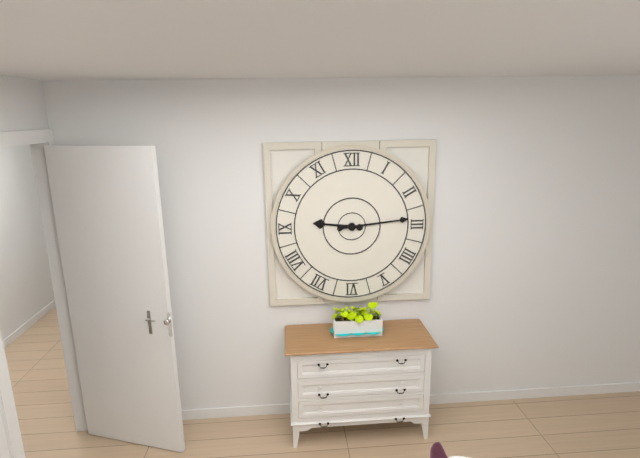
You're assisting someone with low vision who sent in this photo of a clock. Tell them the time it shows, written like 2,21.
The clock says 9,14
